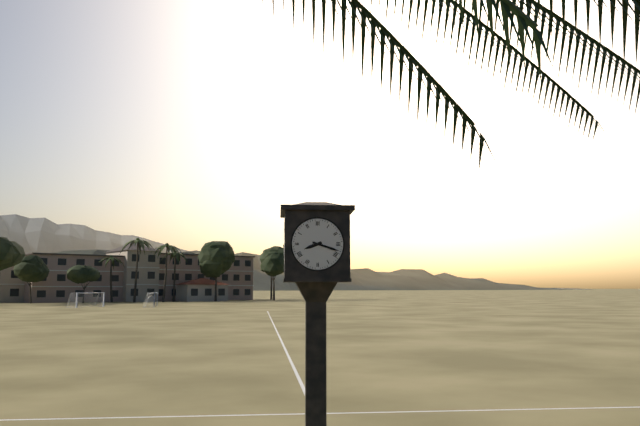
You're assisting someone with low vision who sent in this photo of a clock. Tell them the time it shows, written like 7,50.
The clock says 8,18
